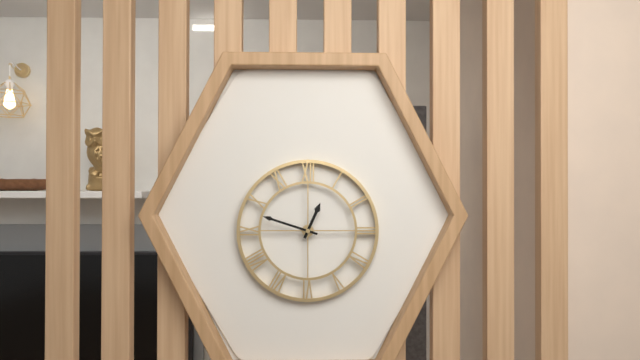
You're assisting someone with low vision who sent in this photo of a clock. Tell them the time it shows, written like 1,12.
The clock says 12,48
